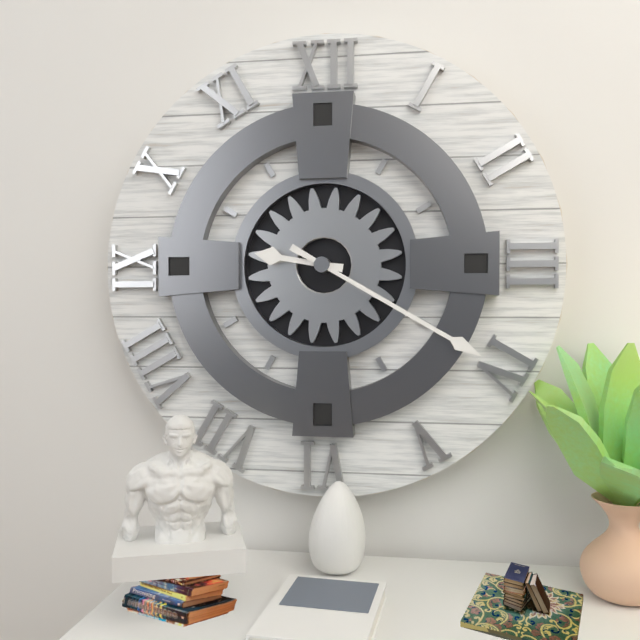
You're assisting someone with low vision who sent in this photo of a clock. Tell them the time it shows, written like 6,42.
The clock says 9,20
